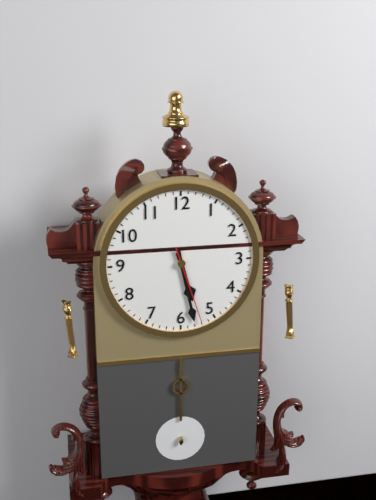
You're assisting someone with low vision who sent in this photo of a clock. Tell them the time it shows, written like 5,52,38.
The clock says 5,28,27
